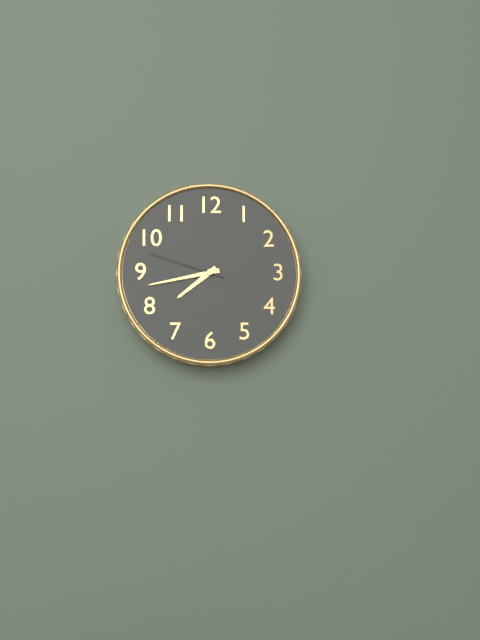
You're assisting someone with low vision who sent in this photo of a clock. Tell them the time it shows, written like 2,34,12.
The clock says 7,43,48
